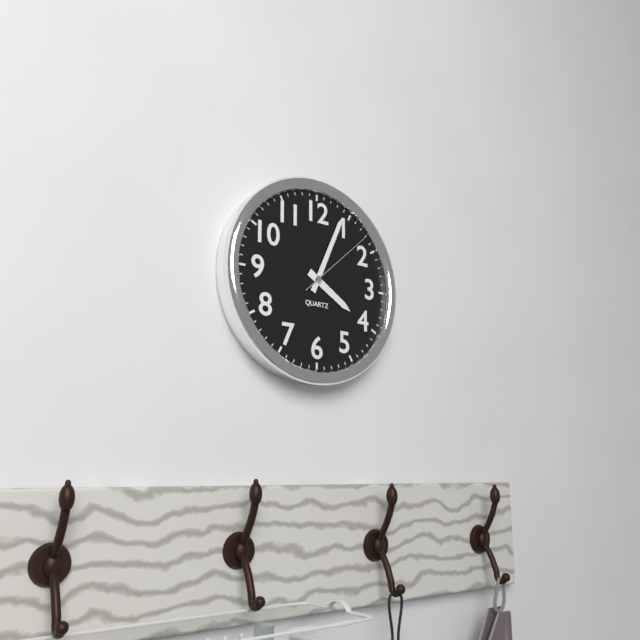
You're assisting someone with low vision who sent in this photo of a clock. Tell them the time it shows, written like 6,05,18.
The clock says 4,04,08
